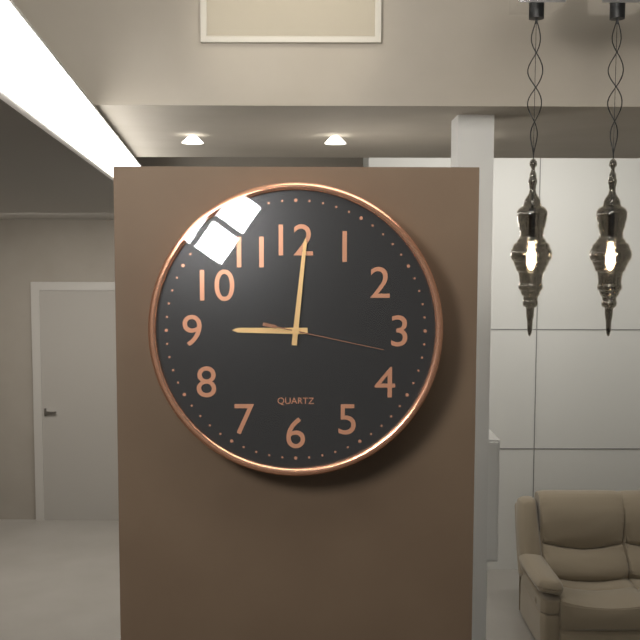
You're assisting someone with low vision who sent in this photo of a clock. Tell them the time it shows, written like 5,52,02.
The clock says 9,01,17
